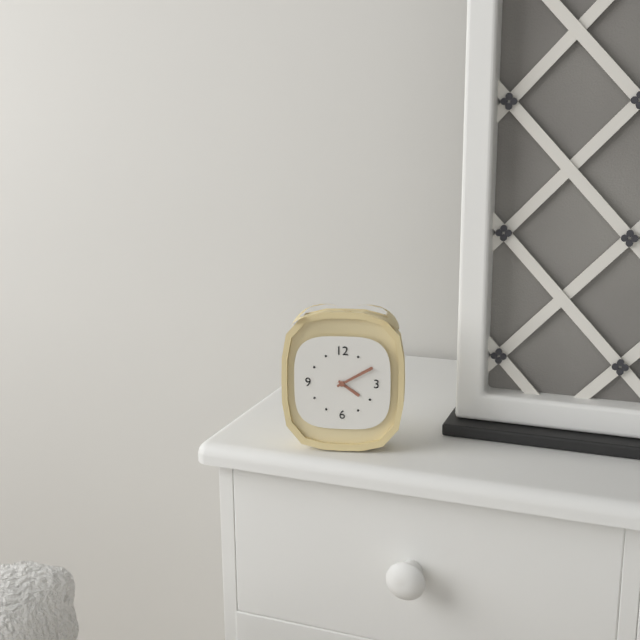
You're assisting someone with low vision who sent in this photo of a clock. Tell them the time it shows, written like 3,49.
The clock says 4,10
